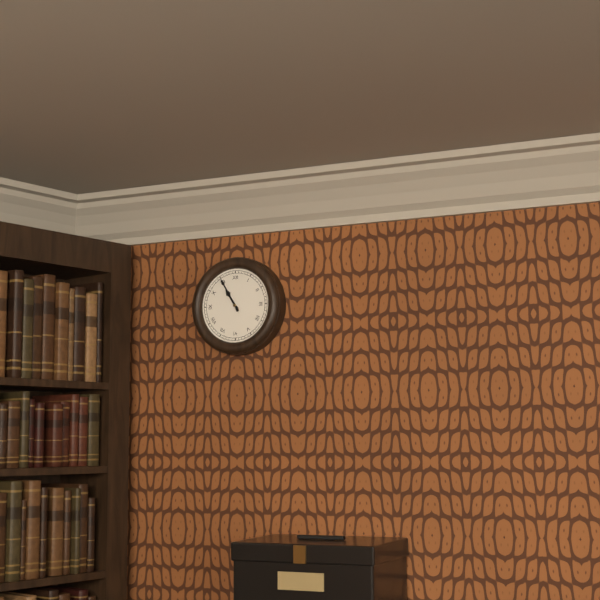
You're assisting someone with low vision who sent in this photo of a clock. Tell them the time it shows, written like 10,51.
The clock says 10,55
